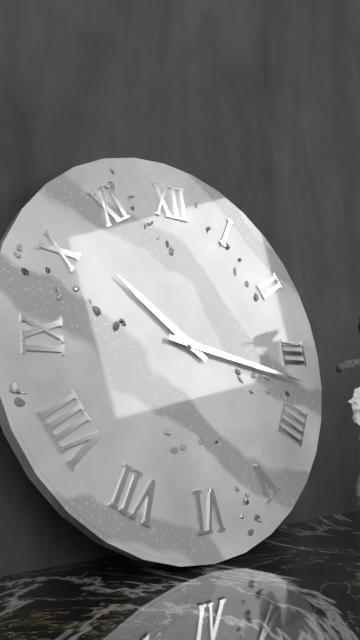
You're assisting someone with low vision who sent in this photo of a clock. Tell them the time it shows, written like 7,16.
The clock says 10,17
